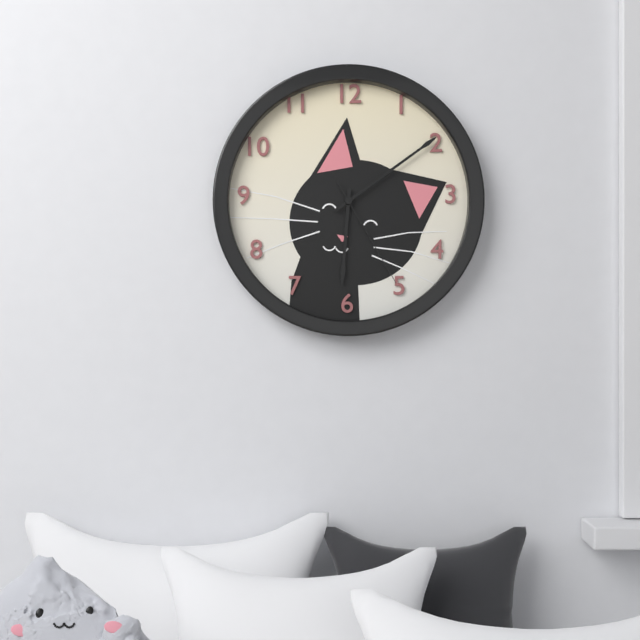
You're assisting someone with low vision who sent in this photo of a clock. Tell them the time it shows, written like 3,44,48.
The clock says 6,09,25
